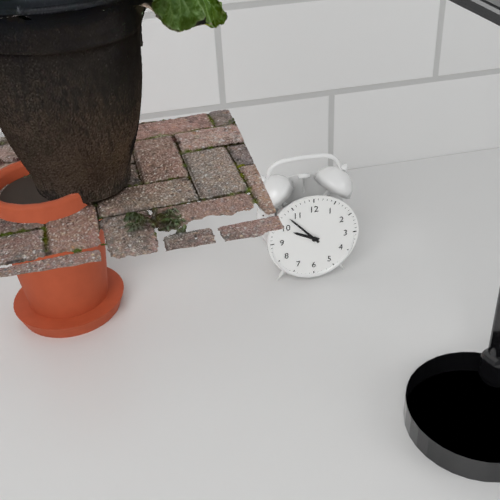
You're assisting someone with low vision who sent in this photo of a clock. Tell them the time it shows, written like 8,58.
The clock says 9,53
